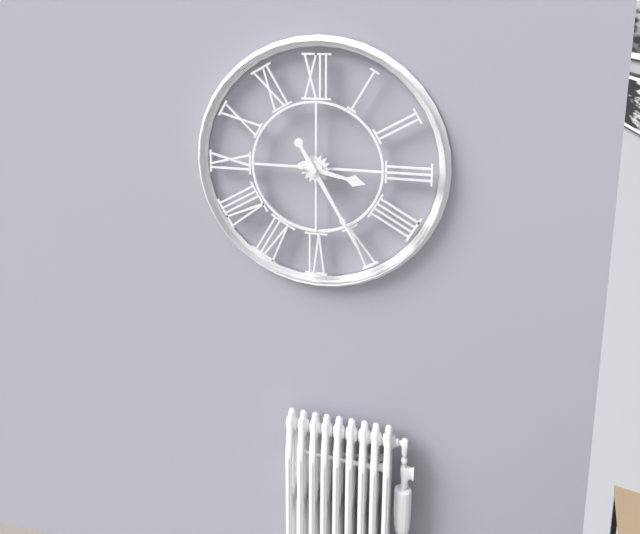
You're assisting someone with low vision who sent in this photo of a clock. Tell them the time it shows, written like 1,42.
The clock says 3,25
